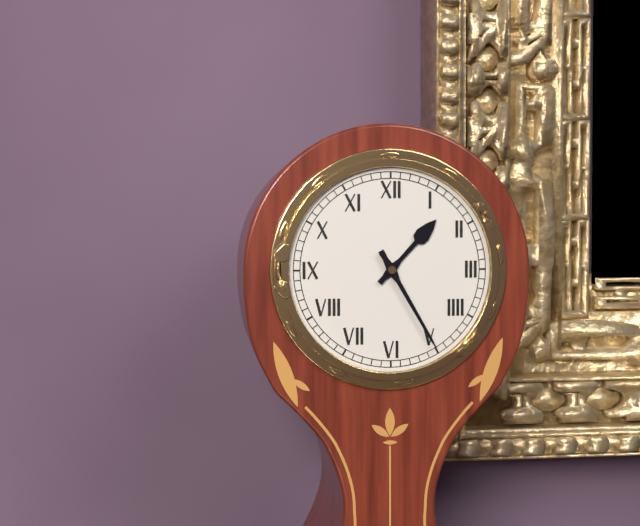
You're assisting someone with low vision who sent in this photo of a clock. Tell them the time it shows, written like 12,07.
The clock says 1,25
